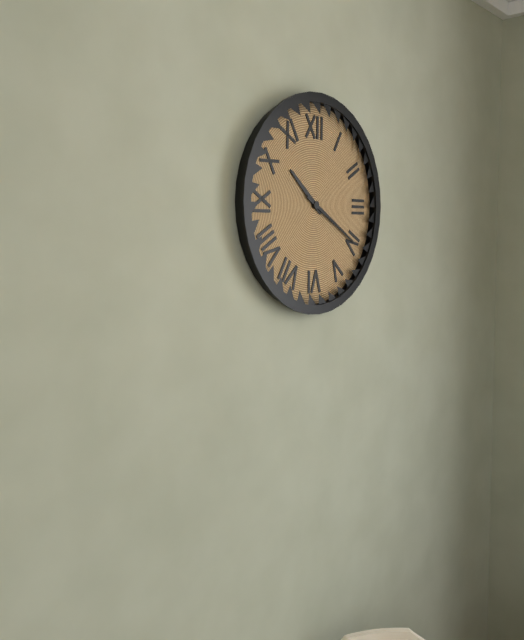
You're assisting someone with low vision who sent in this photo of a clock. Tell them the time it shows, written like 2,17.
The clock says 10,20
